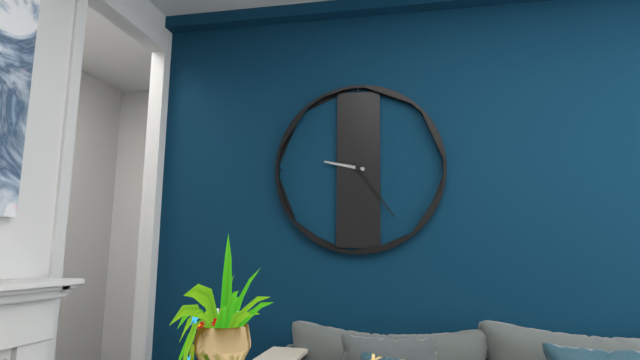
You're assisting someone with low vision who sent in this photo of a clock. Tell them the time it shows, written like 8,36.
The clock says 9,24
